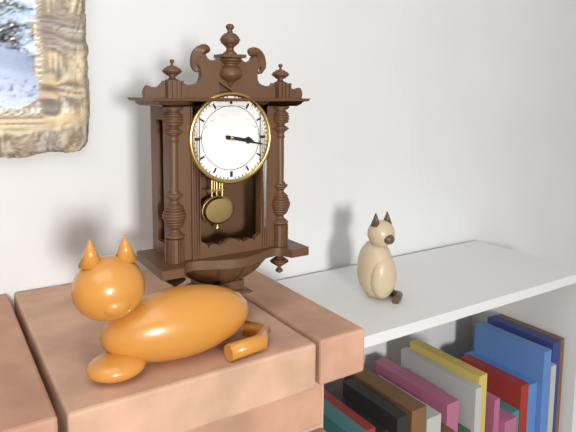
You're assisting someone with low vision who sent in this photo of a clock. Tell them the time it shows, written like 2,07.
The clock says 3,17
